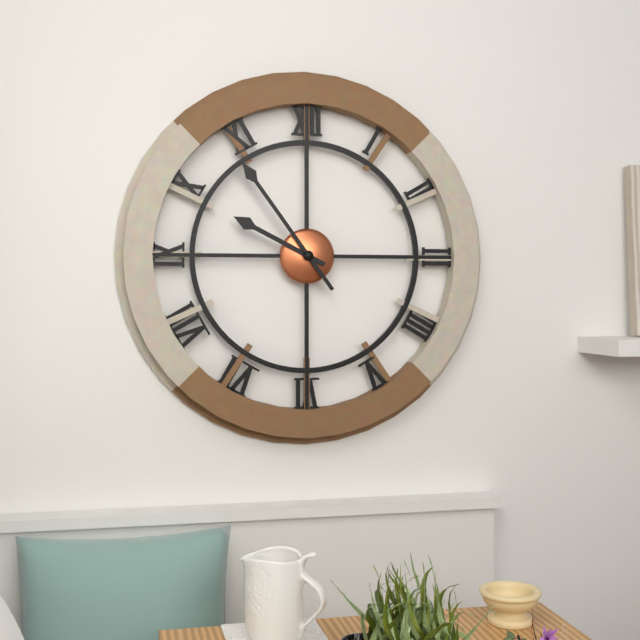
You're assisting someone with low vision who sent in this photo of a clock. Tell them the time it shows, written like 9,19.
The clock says 9,54
